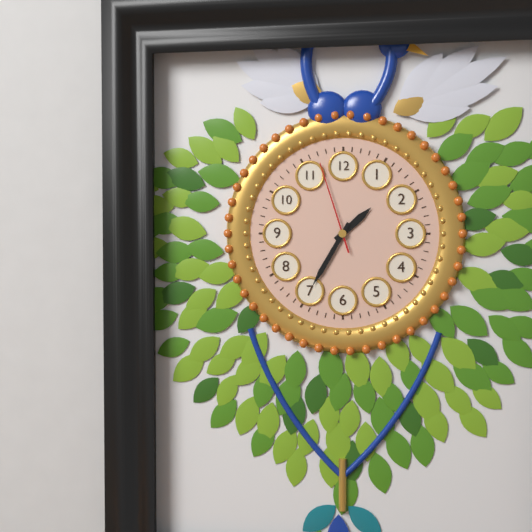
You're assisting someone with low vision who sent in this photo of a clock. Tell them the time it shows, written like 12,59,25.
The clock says 1,35,57
